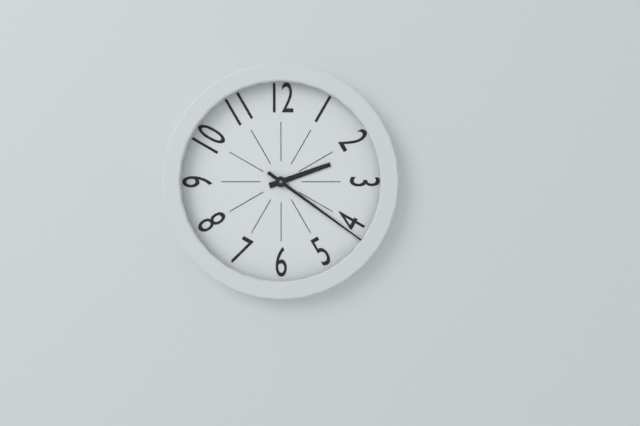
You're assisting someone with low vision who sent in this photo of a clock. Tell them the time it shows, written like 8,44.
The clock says 2,21
